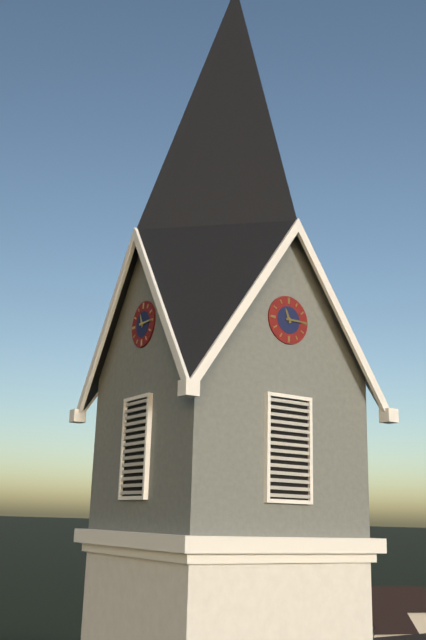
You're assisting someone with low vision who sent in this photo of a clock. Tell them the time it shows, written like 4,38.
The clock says 11,15
